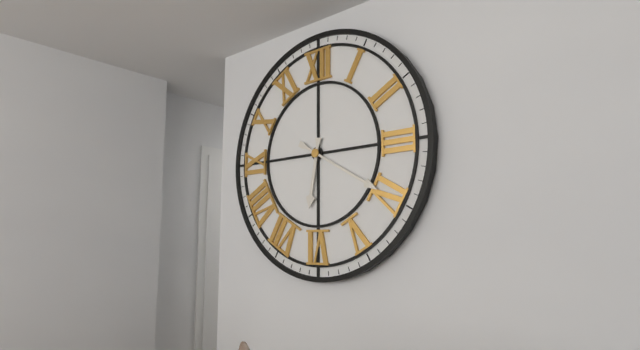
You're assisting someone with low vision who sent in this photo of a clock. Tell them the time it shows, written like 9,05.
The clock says 6,20
